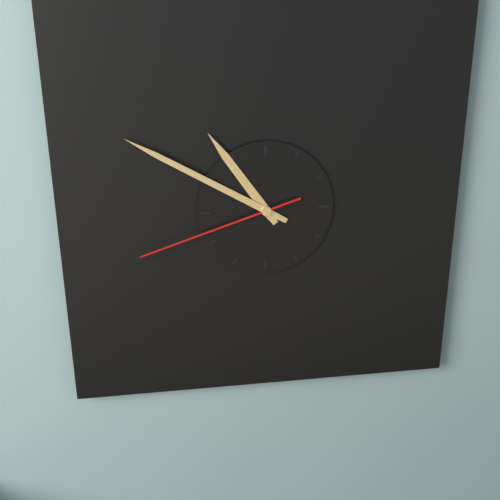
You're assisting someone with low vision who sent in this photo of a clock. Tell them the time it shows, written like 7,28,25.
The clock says 10,50,42
